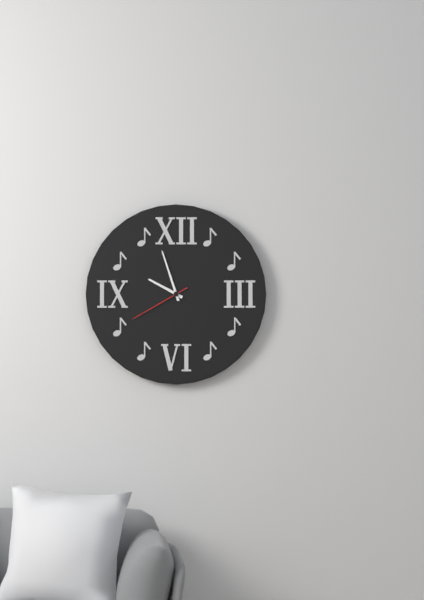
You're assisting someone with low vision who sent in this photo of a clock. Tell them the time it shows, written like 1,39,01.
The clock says 9,57,40
